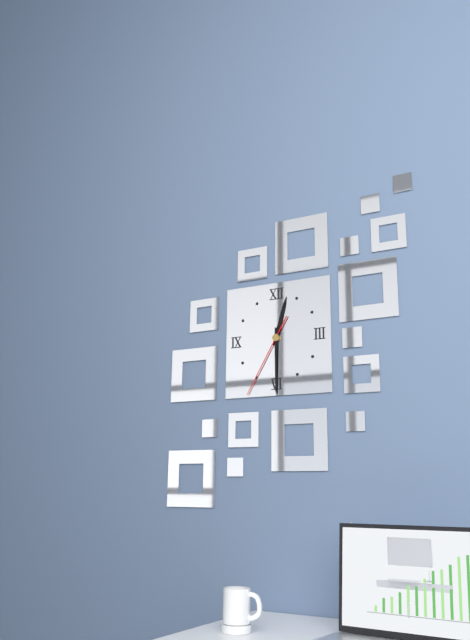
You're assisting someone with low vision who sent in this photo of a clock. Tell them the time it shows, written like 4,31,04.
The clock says 12,30,35
